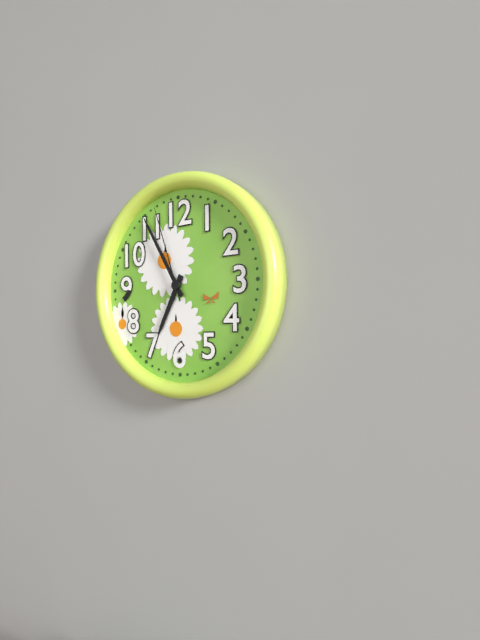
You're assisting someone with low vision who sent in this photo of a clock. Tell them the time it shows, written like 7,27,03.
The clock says 6,55,57
